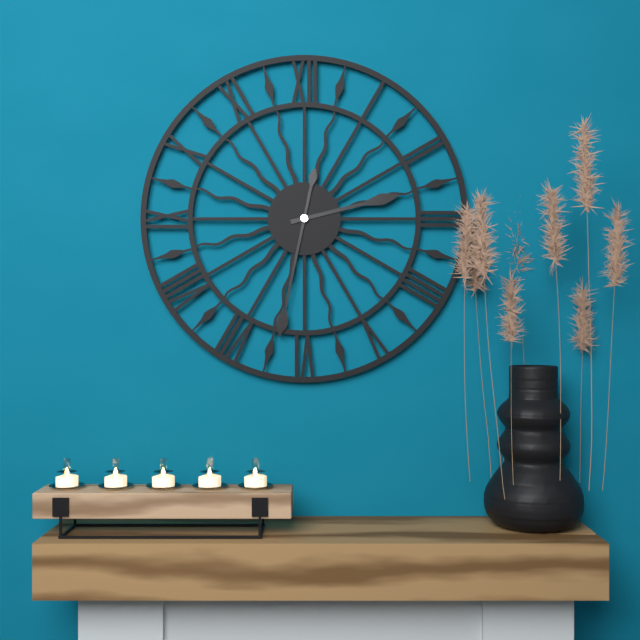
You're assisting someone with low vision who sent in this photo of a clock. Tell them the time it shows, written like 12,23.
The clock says 2,32
